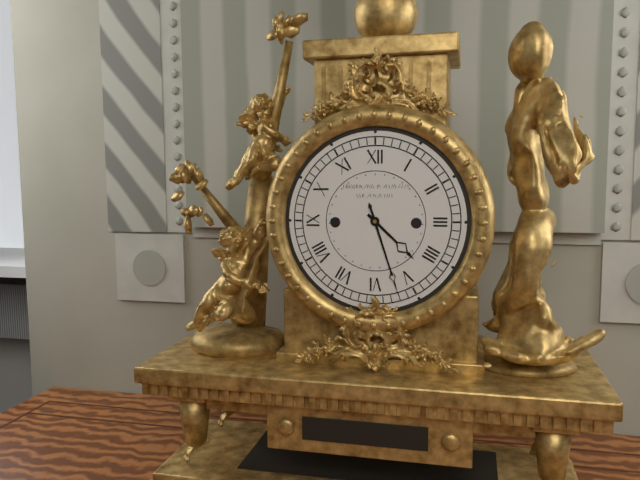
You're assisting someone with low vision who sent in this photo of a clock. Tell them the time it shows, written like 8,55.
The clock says 4,27
